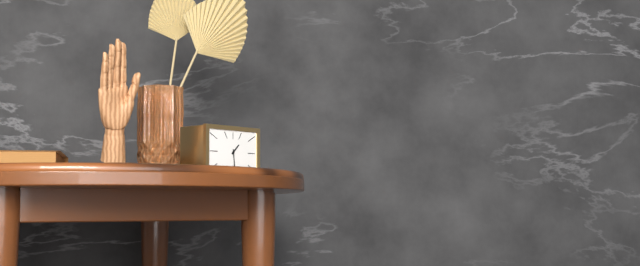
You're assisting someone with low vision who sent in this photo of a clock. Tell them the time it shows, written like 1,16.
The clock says 1,29
